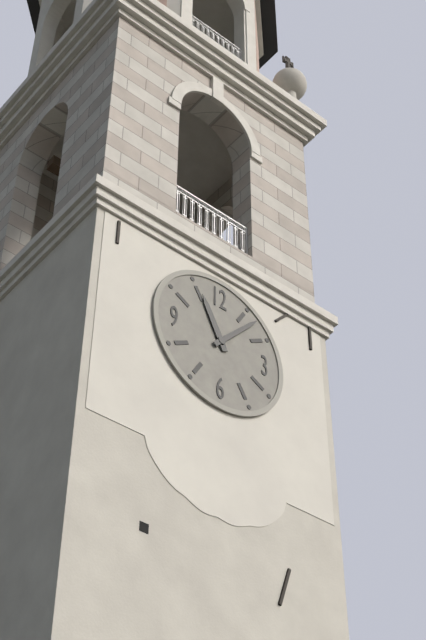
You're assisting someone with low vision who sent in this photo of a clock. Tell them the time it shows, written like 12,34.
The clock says 11,07
